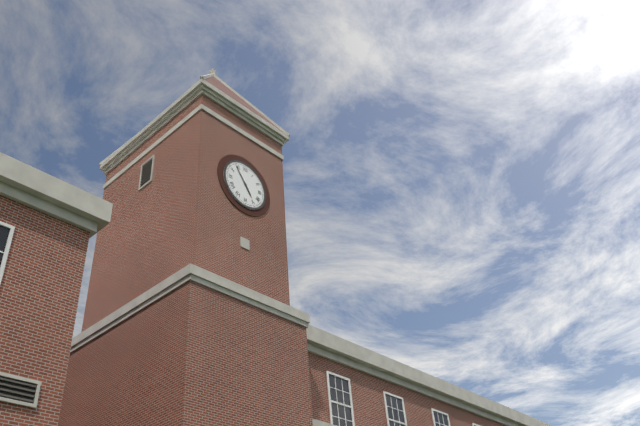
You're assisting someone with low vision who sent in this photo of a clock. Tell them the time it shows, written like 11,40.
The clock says 4,54
